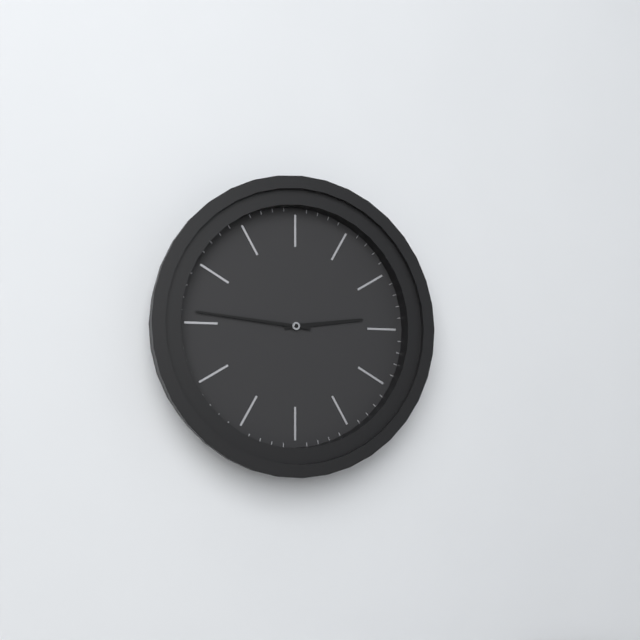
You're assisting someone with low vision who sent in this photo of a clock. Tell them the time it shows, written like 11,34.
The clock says 2,46
